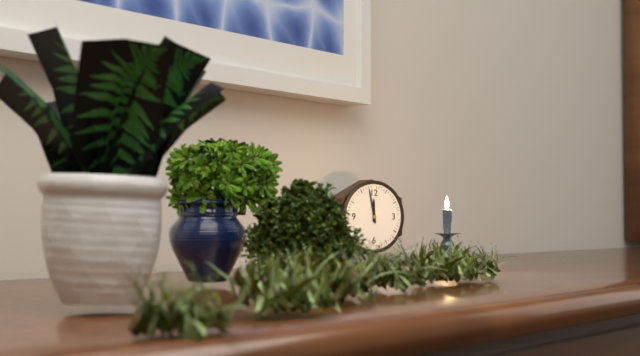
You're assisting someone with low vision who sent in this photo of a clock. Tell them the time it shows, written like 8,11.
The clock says 11,58
